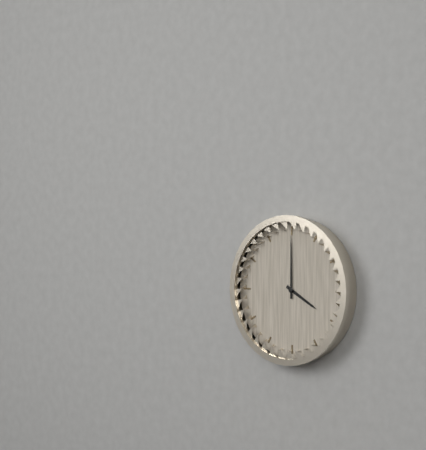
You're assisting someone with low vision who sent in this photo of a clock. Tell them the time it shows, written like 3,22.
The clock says 4,00
